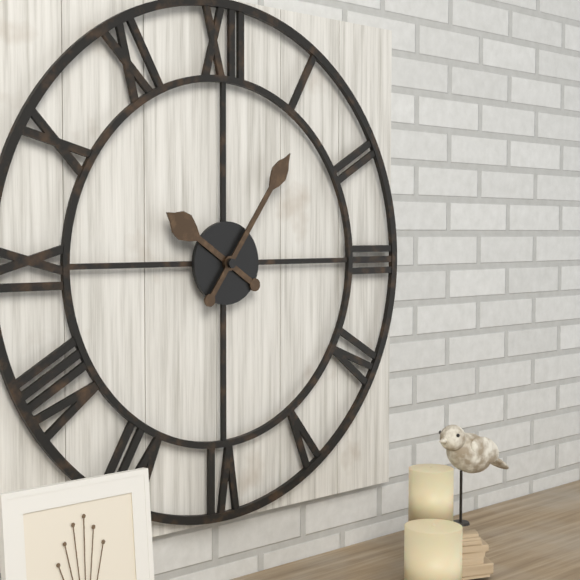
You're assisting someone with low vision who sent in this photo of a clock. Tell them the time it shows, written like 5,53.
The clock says 10,06
